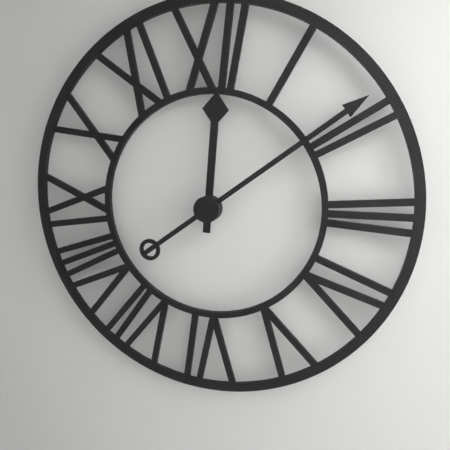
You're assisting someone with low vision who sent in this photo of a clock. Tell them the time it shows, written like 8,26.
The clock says 12,09
